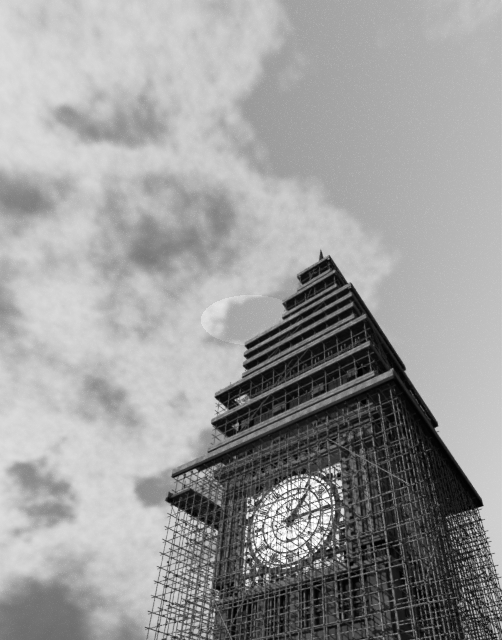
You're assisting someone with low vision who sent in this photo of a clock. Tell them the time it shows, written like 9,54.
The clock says 1,15
